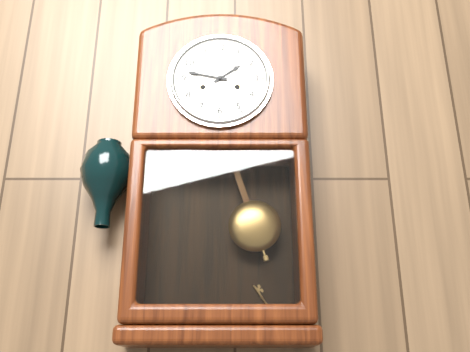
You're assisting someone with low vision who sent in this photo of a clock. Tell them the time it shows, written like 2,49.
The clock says 1,47
